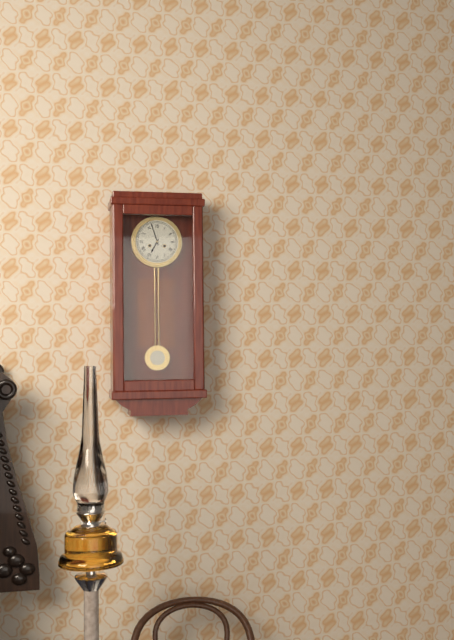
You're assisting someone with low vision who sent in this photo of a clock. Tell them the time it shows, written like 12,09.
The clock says 6,57
